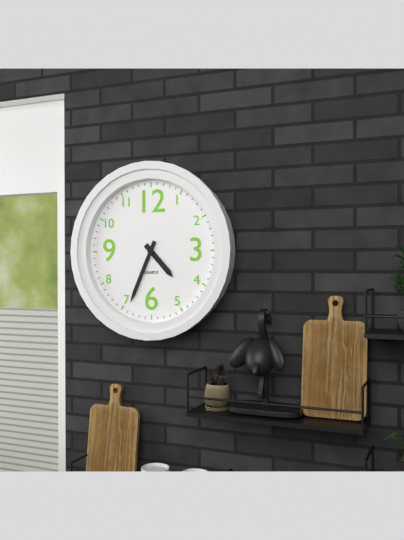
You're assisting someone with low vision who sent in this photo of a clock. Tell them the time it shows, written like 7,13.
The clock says 4,34
